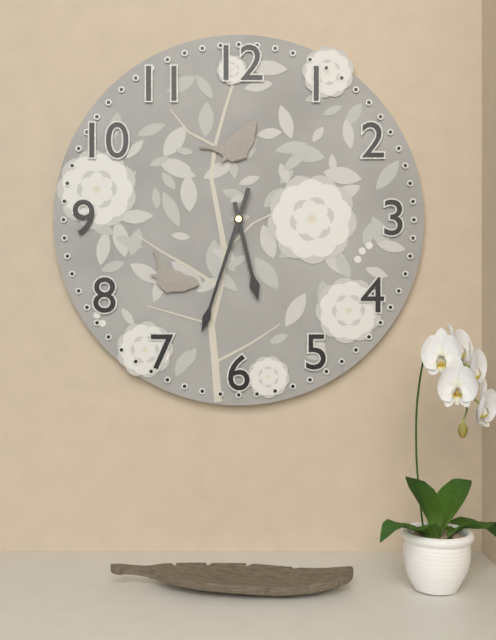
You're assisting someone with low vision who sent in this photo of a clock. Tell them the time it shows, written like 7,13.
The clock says 5,33
